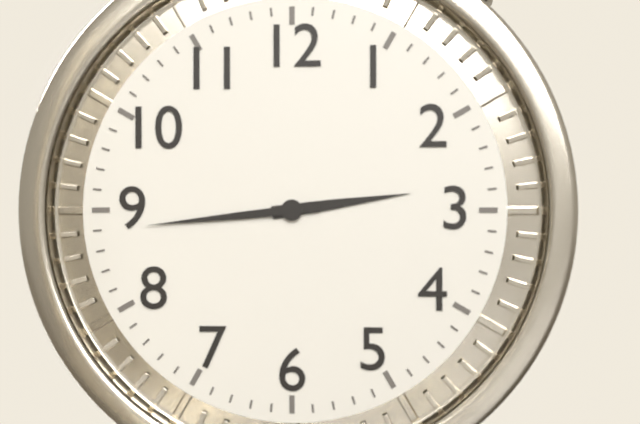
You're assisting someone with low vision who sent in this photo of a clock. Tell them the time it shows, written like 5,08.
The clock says 2,44
